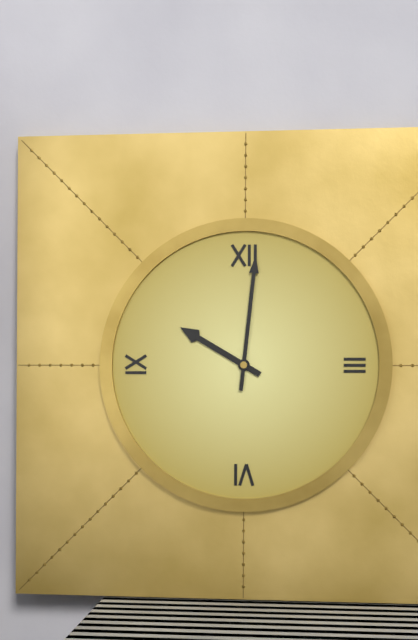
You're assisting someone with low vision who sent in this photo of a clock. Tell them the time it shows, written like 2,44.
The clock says 10,01
